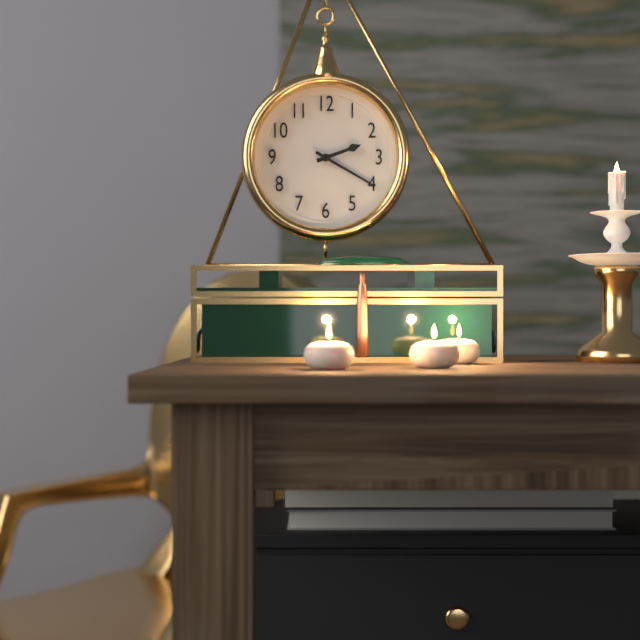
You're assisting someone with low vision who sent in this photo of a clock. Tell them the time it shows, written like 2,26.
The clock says 2,20
